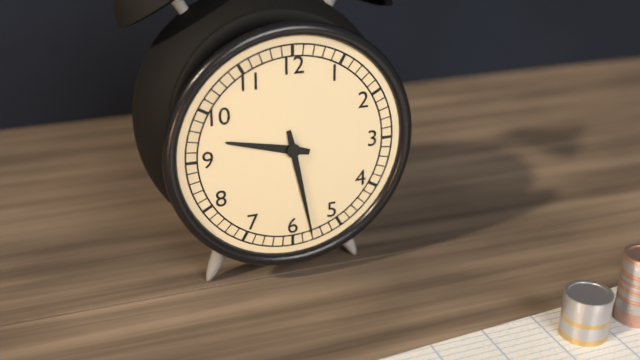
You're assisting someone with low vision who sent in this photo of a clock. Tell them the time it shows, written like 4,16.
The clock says 9,28
